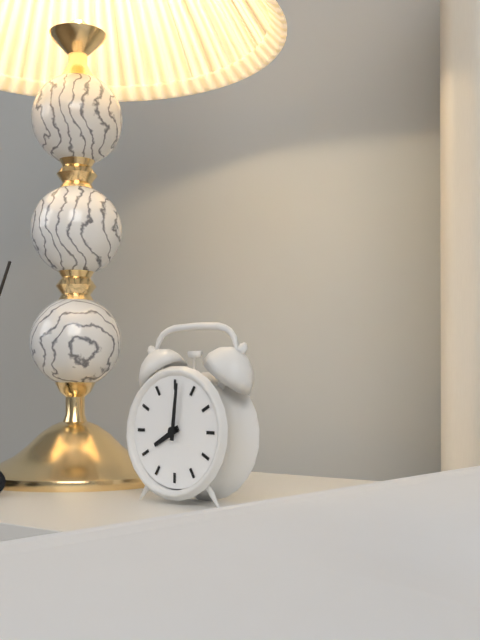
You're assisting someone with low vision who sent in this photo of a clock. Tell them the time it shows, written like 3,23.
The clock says 8,01
